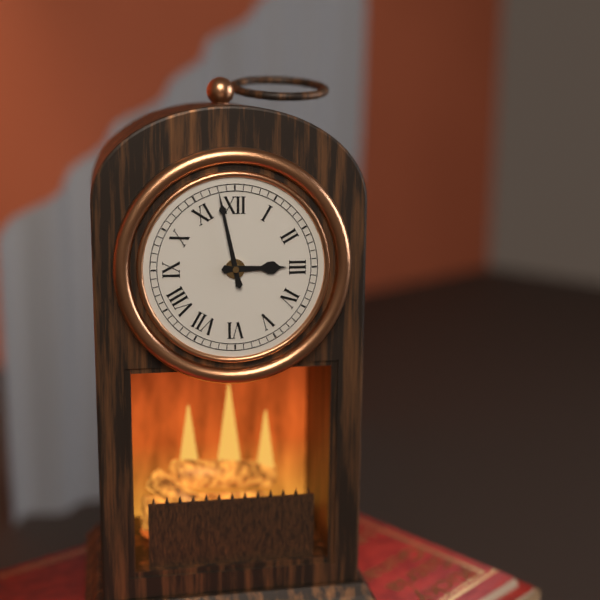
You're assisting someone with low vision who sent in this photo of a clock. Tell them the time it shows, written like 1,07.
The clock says 2,58
